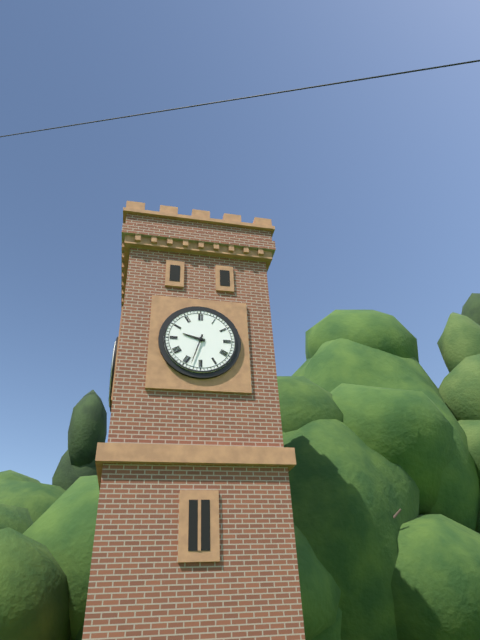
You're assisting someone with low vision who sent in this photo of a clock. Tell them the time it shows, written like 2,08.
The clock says 9,33
